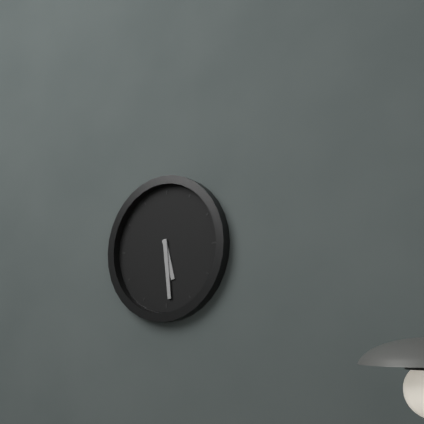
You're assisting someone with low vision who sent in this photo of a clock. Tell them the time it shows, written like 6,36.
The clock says 5,29
